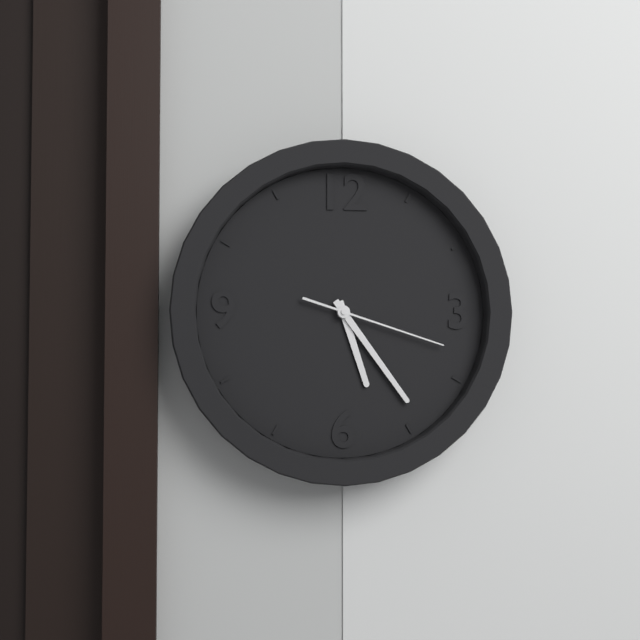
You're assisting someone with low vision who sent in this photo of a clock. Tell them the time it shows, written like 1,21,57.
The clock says 5,24,18
